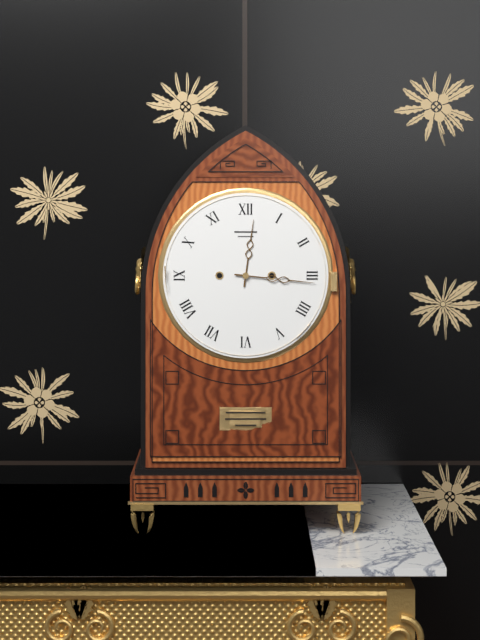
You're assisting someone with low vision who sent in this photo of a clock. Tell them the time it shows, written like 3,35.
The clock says 12,16
